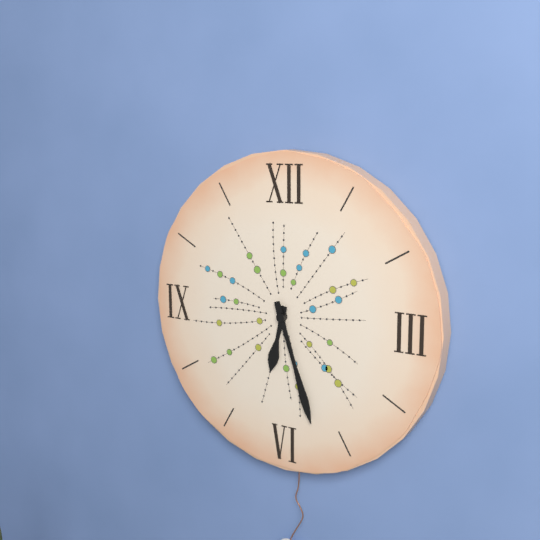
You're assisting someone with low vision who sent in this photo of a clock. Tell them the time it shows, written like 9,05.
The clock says 6,27
